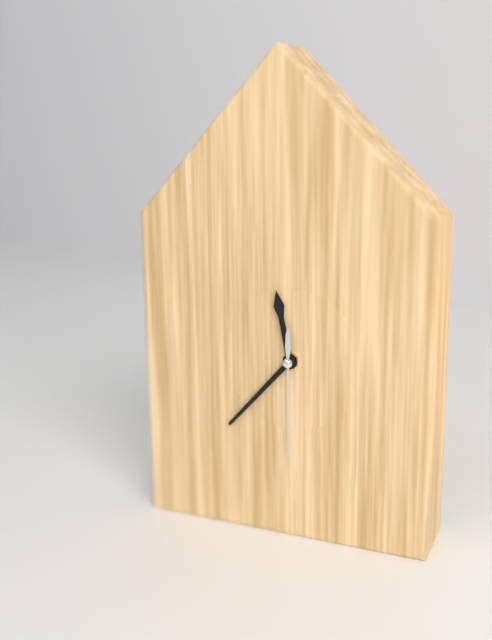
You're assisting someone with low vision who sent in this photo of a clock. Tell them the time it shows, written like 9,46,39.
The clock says 11,37,30
